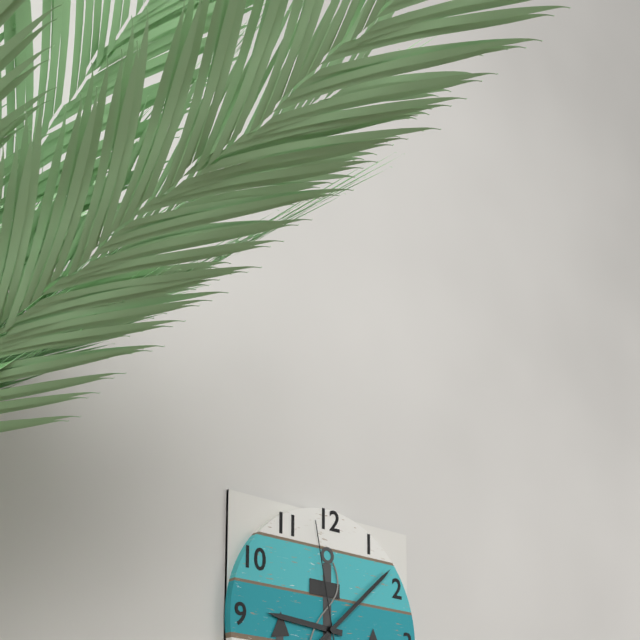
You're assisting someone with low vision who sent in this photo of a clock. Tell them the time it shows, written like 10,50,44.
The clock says 9,08,58
